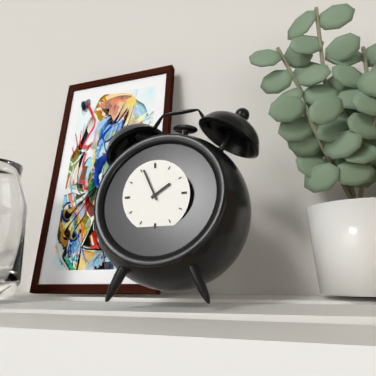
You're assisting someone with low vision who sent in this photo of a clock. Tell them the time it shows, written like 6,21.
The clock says 1,56
